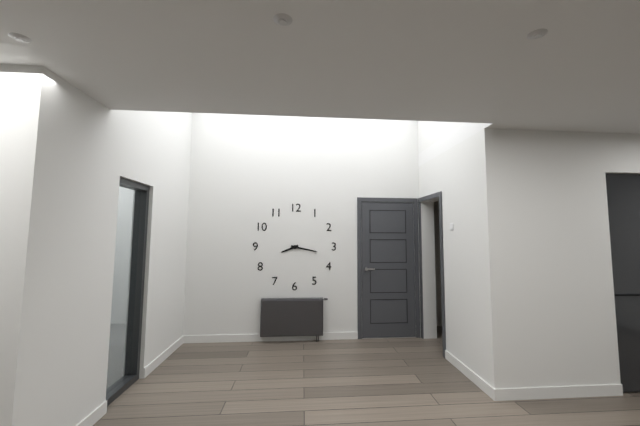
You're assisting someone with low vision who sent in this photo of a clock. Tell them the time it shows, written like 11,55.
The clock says 8,17
